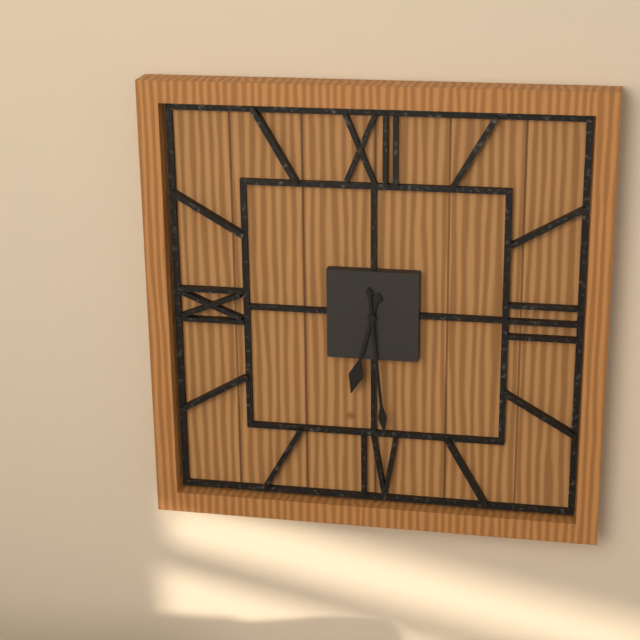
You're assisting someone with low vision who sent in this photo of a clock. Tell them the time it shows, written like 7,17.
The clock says 6,29
